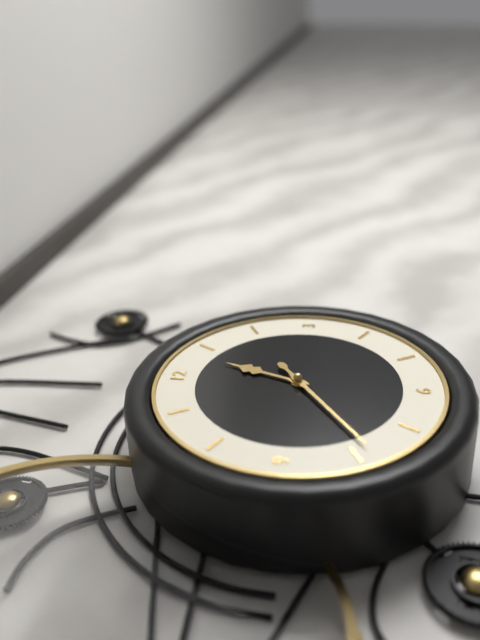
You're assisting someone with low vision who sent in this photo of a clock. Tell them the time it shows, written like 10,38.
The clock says 12,39
